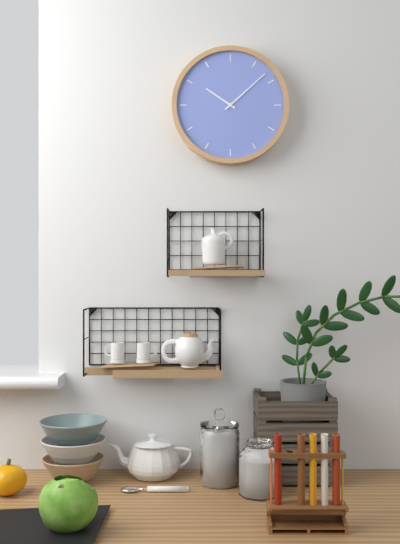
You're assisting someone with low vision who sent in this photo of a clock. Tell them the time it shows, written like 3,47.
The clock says 10,08
